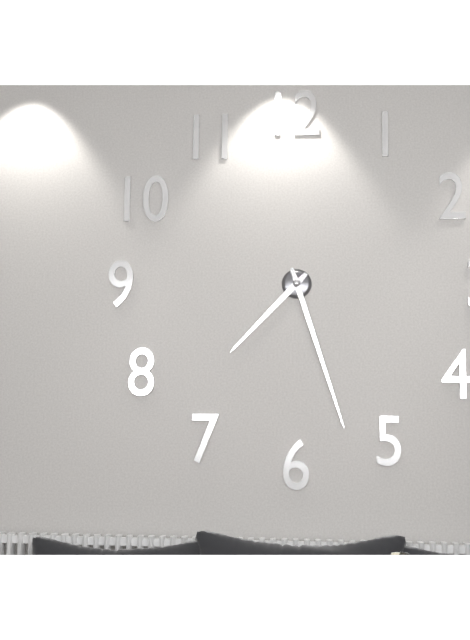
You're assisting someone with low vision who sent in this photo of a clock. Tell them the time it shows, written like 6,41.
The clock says 7,27
